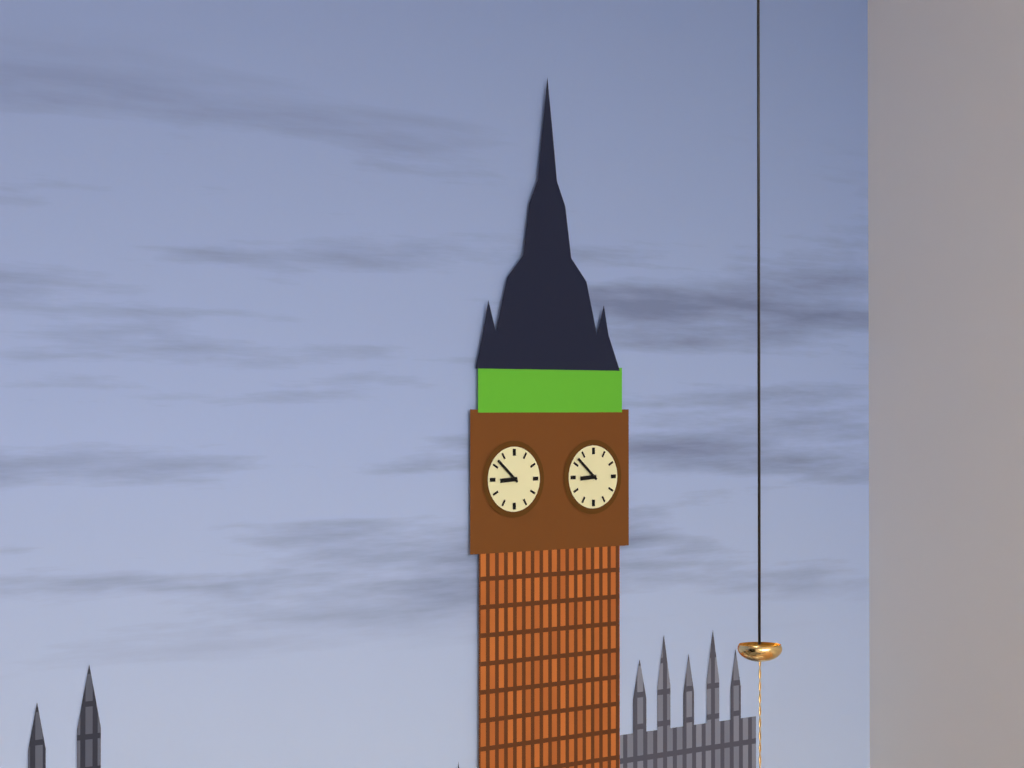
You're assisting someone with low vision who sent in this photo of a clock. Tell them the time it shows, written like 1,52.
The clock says 8,52
